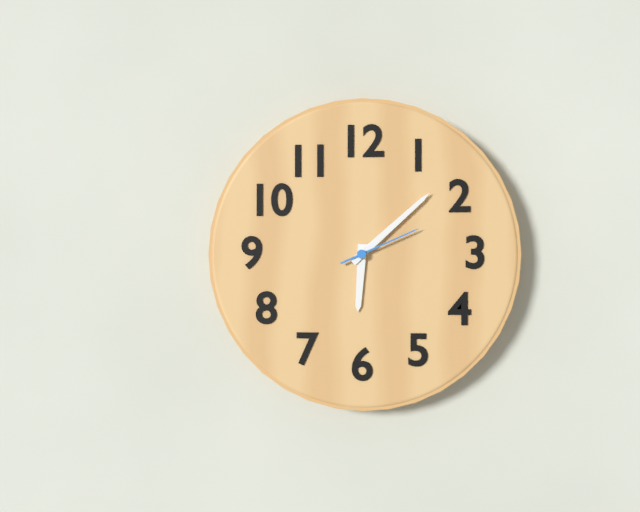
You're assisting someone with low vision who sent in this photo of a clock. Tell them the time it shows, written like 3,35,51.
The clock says 6,08,11
